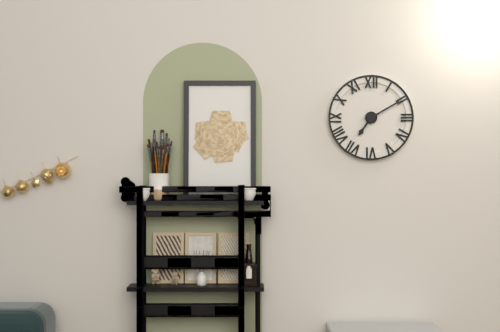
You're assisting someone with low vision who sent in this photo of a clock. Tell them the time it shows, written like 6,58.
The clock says 7,10
